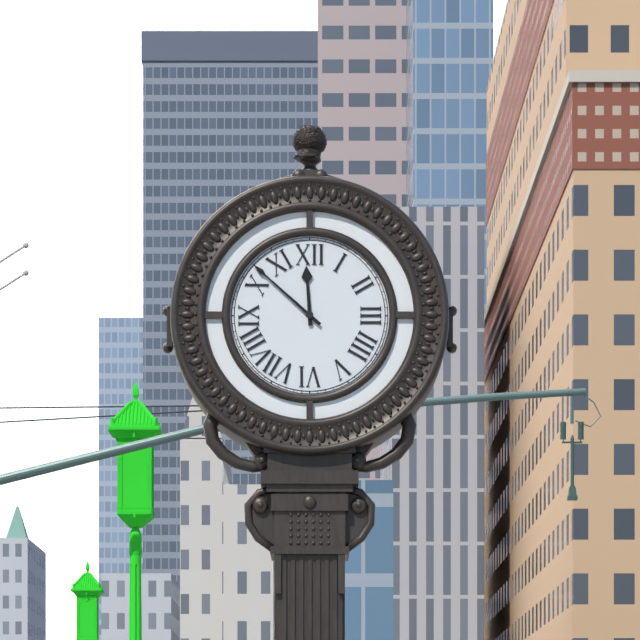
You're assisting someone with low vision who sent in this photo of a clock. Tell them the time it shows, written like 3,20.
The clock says 11,52
